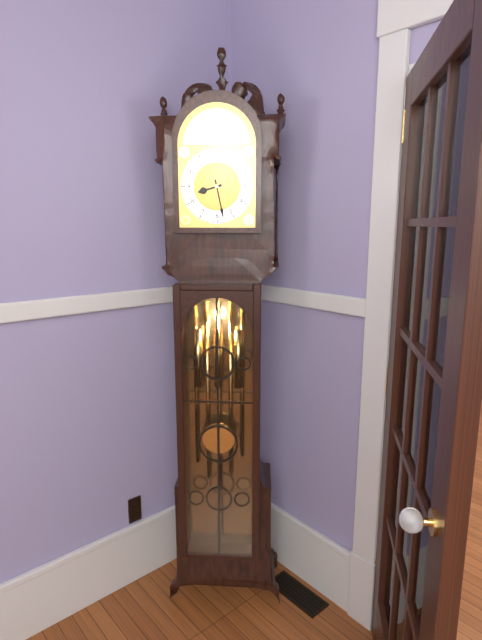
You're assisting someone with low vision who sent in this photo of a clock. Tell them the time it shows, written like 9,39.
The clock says 8,28
